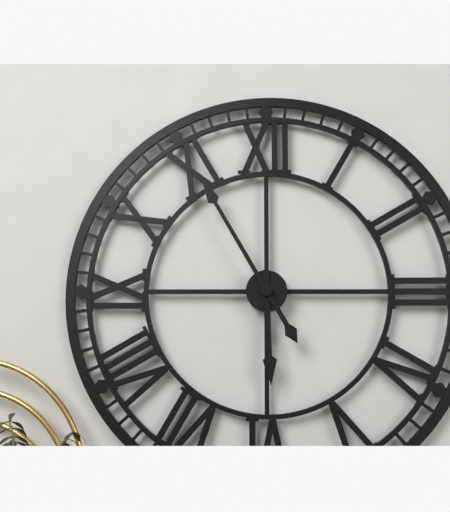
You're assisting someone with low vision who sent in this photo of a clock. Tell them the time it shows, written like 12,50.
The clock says 5,55
